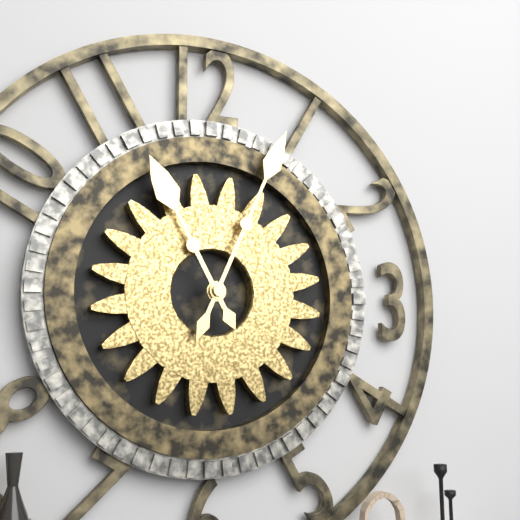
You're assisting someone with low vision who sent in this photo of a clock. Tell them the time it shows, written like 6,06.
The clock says 11,04
